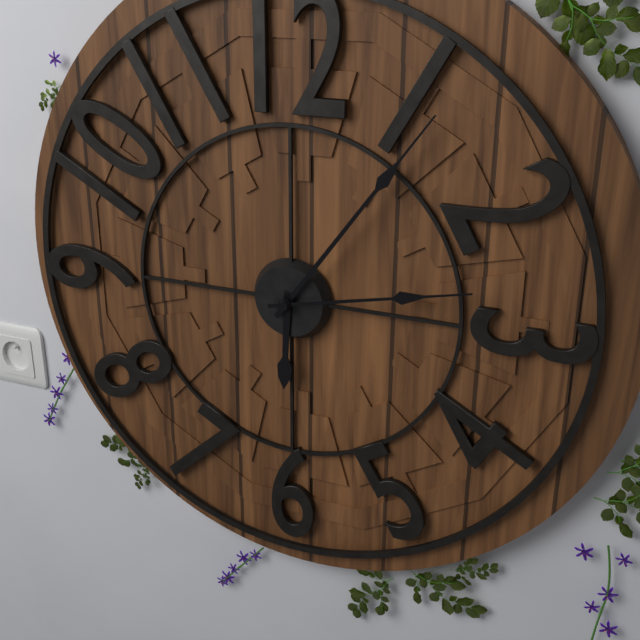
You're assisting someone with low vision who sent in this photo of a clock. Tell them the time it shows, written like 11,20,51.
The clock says 6,06,13
